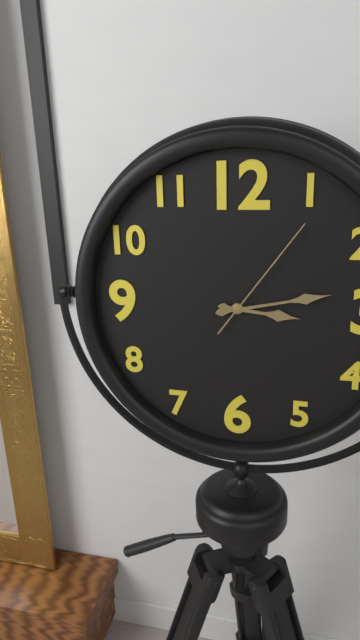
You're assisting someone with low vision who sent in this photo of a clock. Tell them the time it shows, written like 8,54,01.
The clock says 3,13,06
